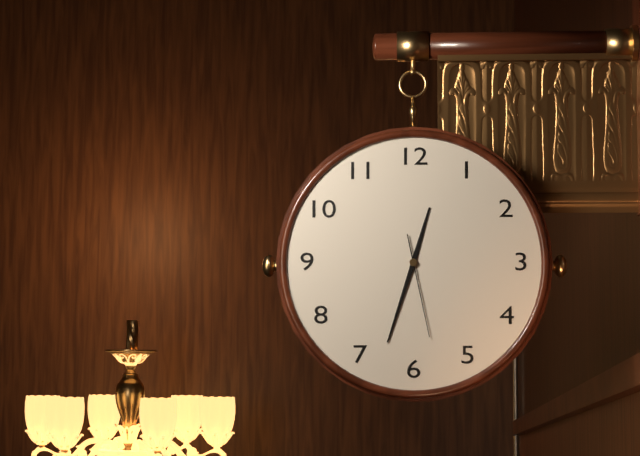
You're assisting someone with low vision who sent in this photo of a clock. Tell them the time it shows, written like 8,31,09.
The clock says 12,33,28
